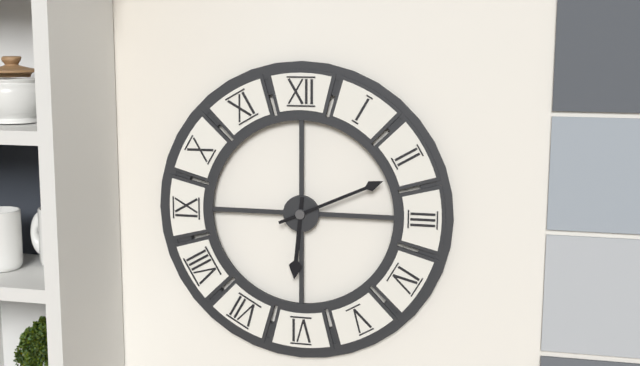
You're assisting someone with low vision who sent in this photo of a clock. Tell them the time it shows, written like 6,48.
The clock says 6,11
